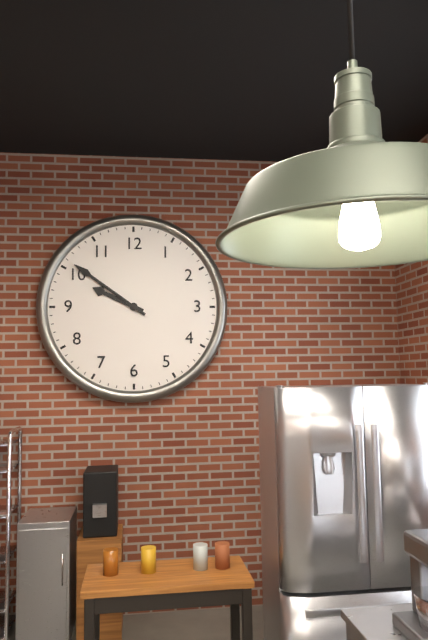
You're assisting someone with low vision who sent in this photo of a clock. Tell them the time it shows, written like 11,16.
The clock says 9,51
